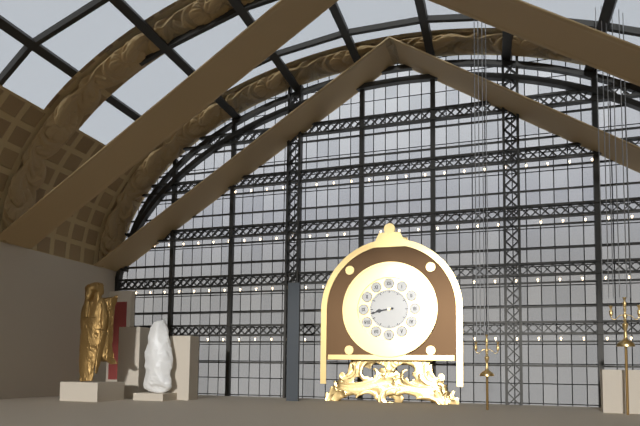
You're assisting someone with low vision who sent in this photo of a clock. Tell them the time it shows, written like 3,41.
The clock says 8,43
